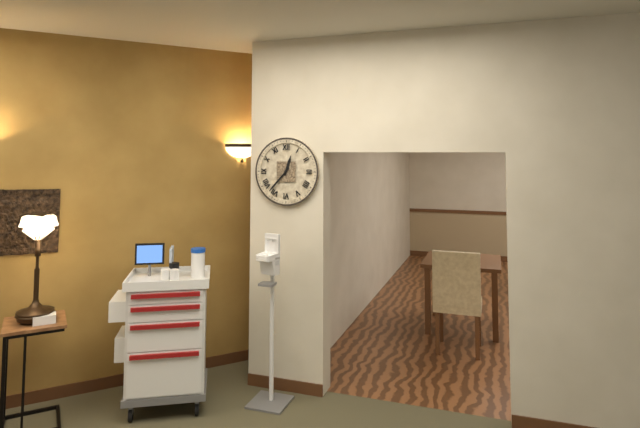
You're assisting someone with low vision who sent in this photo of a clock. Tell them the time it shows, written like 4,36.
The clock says 12,37
